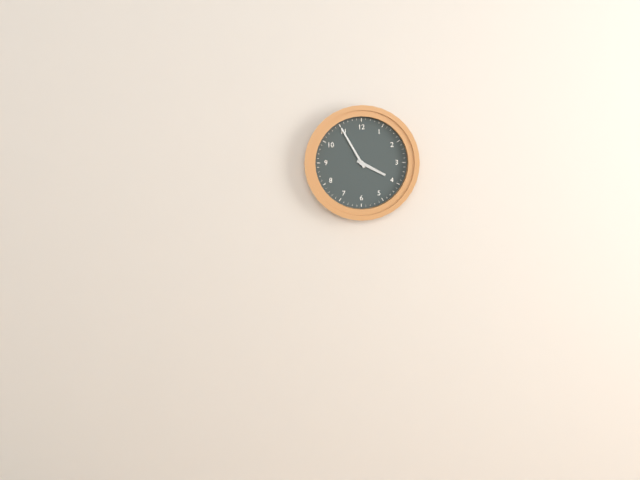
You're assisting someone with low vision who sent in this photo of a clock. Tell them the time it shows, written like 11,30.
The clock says 3,55
